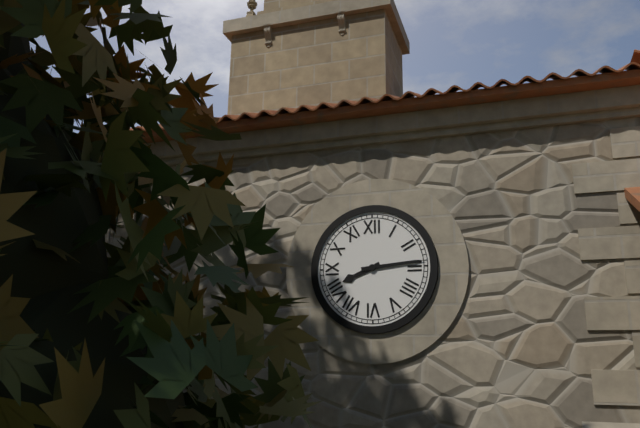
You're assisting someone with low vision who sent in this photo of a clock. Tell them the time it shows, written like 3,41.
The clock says 8,14
